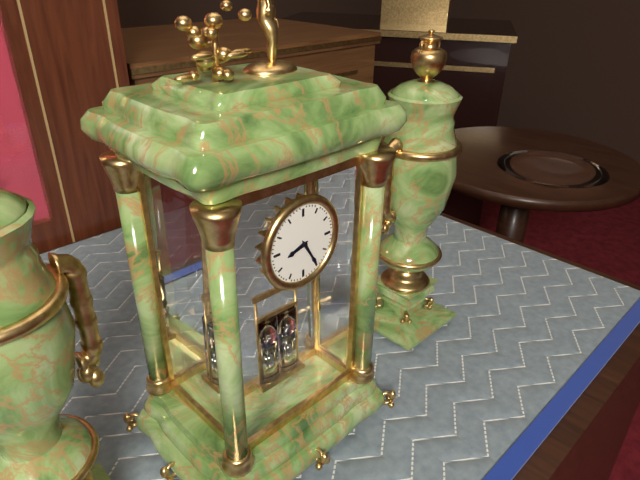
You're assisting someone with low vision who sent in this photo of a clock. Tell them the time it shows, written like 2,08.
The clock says 8,25
